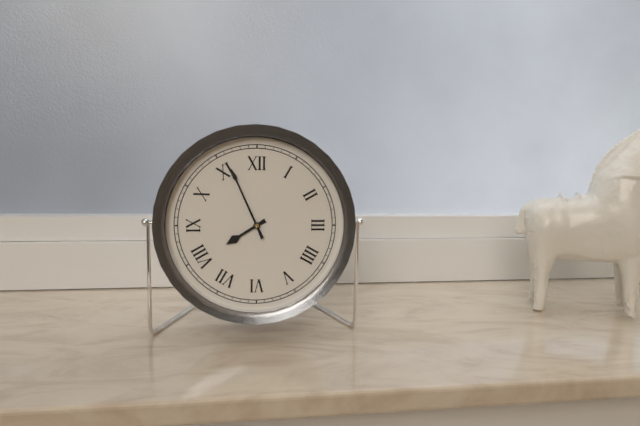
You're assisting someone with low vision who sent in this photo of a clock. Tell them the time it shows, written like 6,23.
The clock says 7,56
